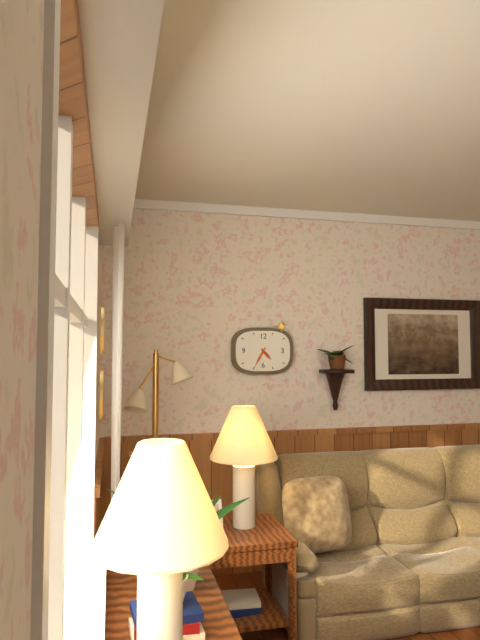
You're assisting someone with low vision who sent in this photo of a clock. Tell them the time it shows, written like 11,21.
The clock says 4,35
